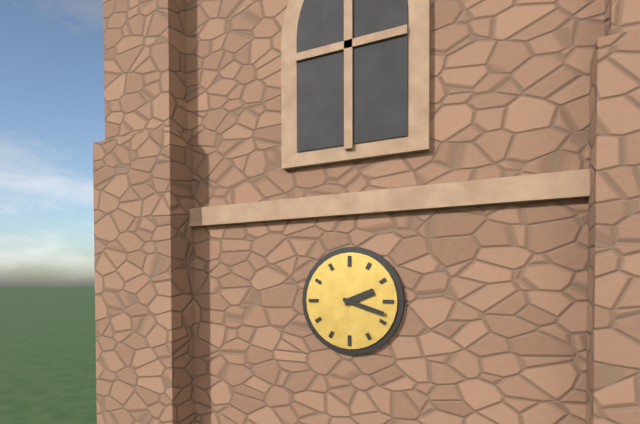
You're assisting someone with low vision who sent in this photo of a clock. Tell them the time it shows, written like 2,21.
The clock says 2,18
